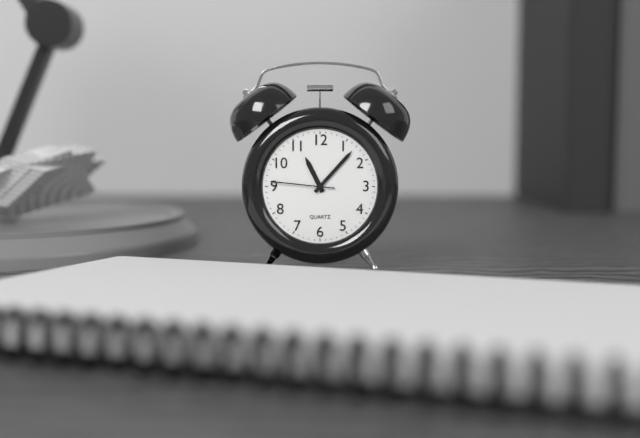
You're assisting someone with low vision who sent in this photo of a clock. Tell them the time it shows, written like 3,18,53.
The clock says 11,07,46
